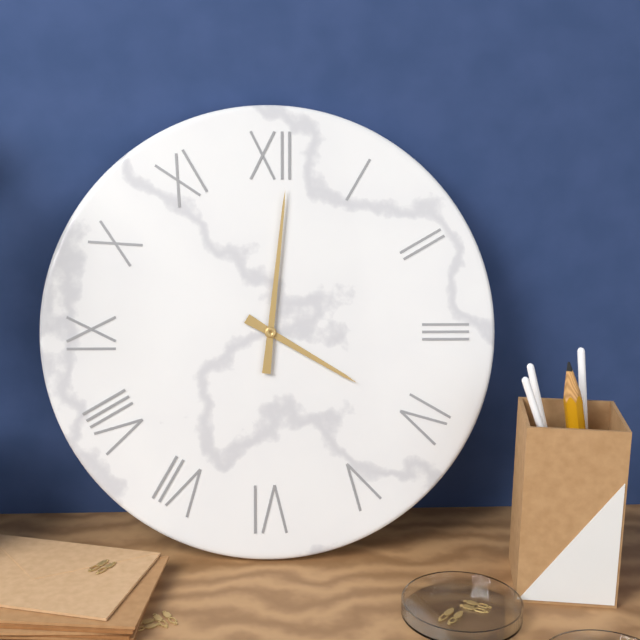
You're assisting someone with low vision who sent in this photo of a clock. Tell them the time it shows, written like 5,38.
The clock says 4,01
